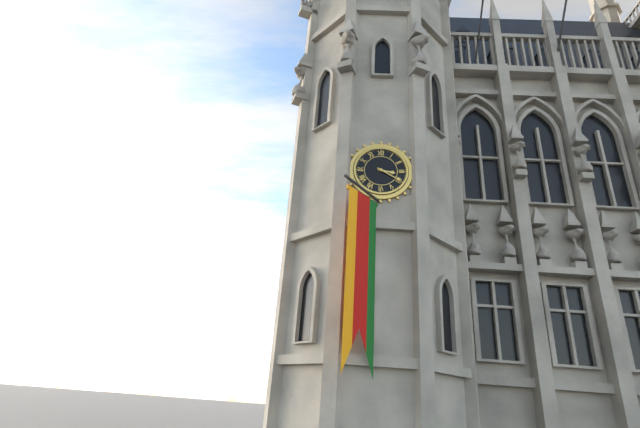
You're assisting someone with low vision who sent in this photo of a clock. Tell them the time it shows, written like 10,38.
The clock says 3,20
